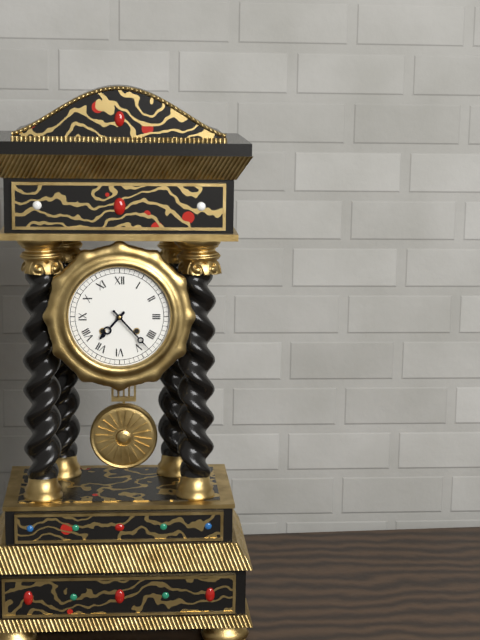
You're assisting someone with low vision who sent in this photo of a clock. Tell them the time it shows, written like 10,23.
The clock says 7,23
